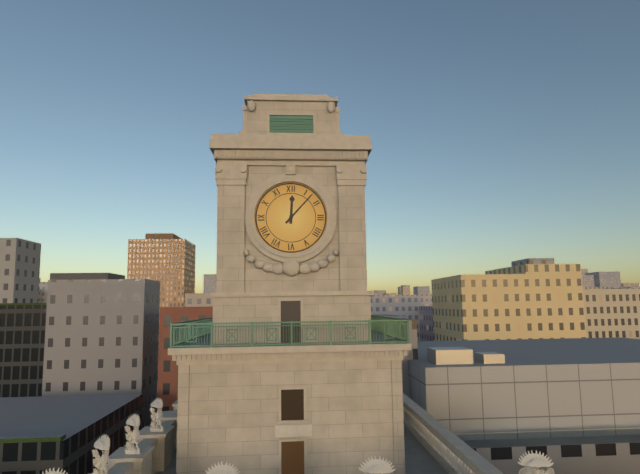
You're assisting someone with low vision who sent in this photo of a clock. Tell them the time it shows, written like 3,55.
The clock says 12,07
